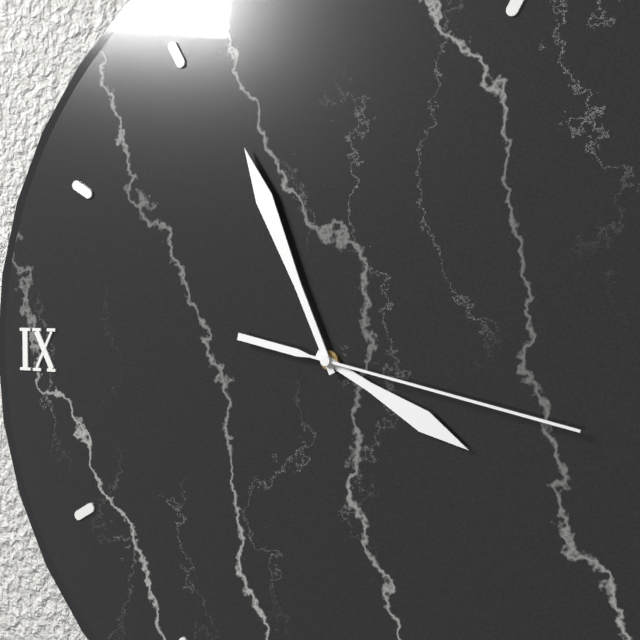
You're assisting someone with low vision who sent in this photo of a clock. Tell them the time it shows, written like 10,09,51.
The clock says 3,56,17
